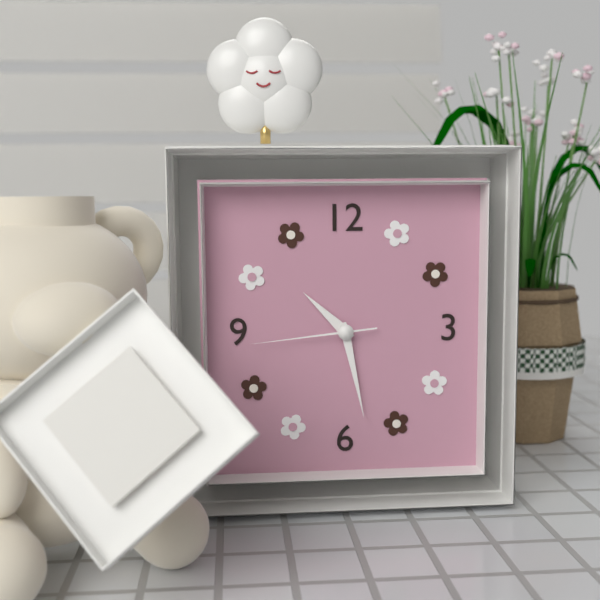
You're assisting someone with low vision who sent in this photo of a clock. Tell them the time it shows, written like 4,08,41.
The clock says 10,28,44
